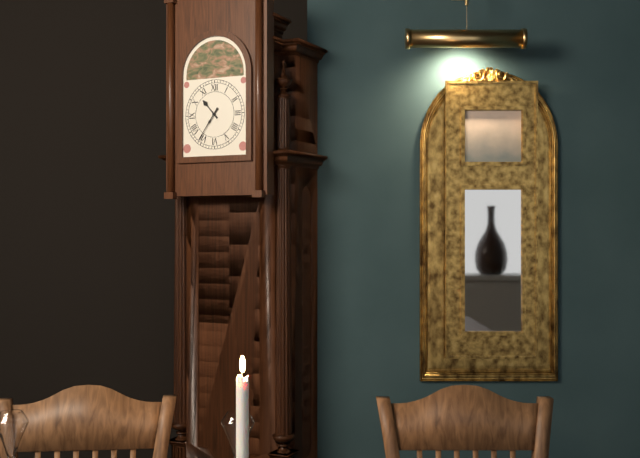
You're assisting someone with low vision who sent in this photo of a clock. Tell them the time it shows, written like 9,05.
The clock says 10,36
